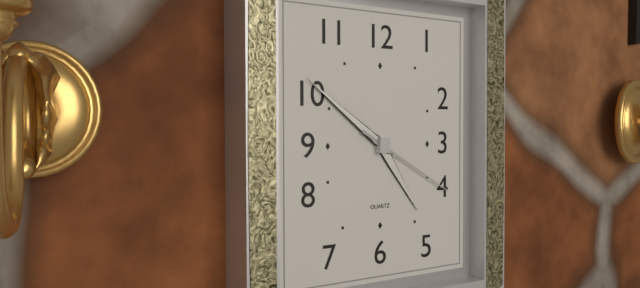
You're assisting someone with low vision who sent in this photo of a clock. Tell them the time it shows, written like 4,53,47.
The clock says 4,51,20
